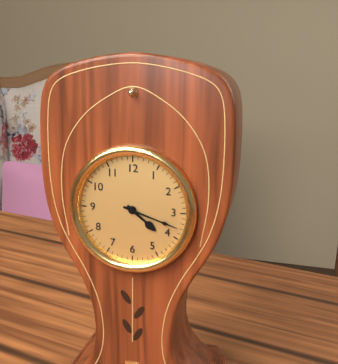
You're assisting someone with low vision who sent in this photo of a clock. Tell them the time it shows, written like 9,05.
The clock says 4,18
